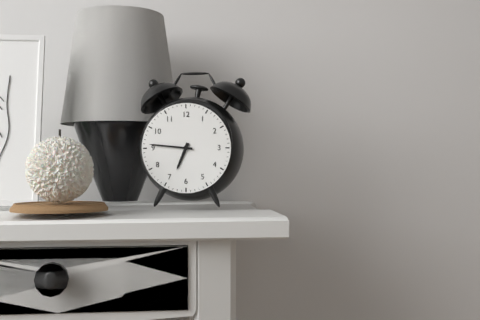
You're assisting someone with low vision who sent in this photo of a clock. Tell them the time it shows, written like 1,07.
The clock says 6,46
